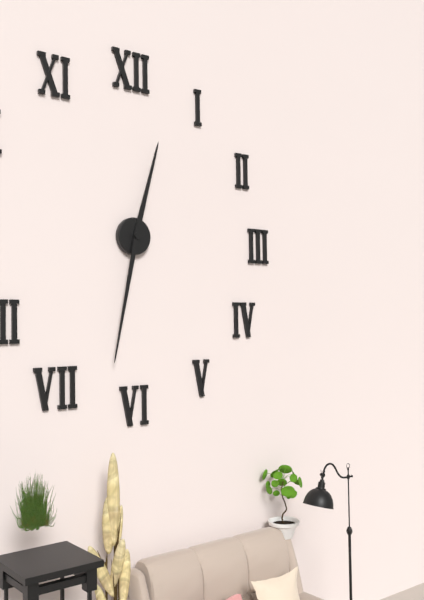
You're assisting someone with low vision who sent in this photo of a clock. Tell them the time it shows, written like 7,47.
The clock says 12,32
